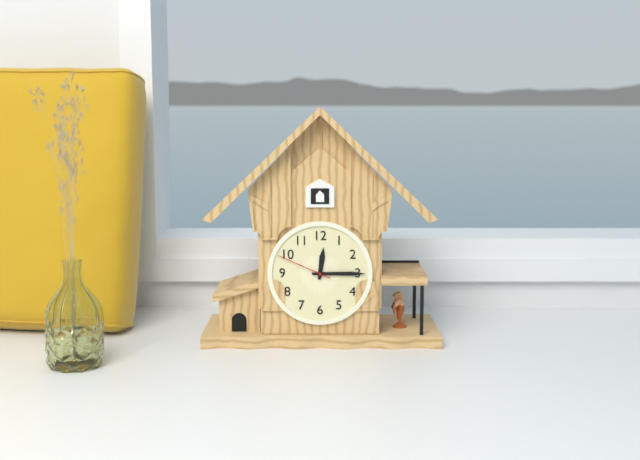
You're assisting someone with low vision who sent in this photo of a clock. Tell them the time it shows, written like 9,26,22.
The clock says 12,15,49
